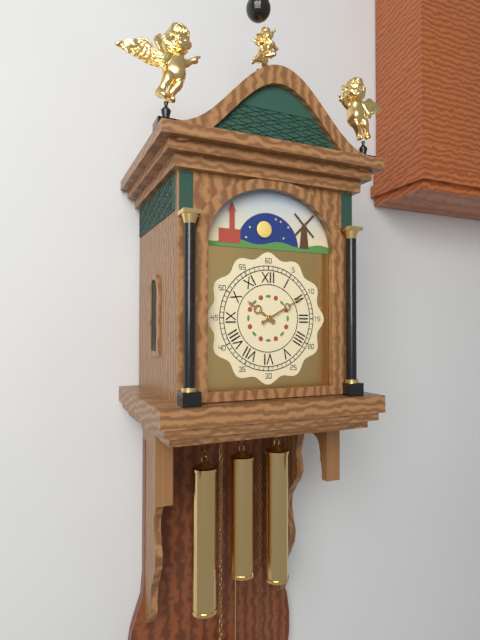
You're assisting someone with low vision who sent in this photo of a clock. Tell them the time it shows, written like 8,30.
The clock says 10,10
